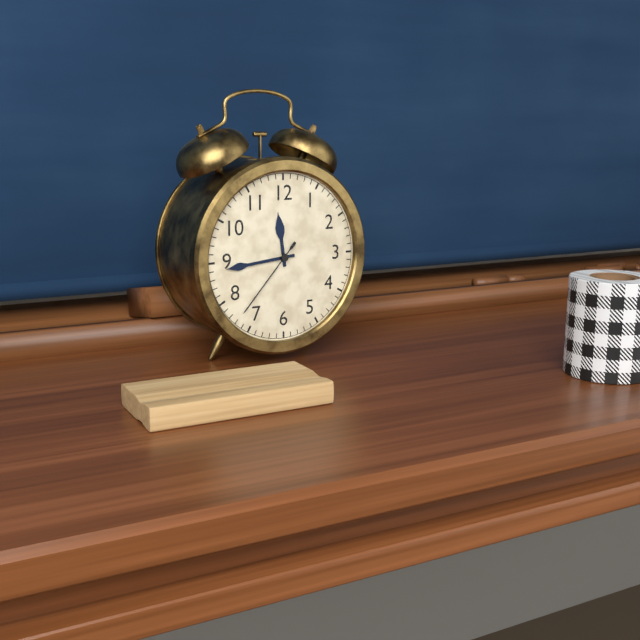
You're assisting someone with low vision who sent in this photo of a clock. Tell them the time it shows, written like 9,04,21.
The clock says 11,44,37
